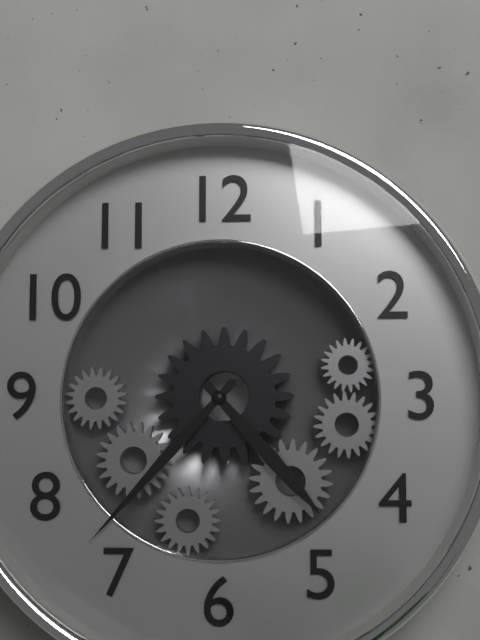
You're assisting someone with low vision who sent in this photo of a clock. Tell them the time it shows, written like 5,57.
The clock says 4,37
